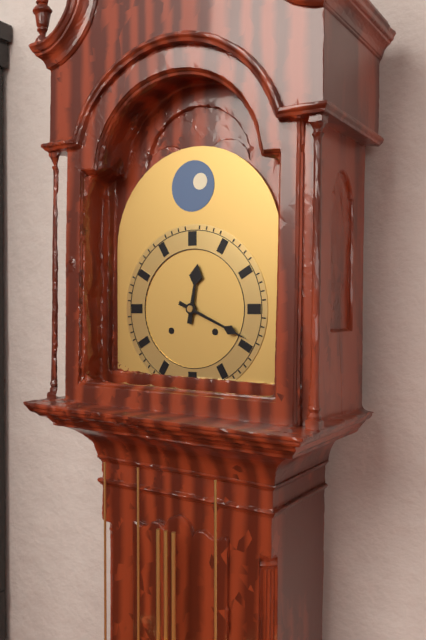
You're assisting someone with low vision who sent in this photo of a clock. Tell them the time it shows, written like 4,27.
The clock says 12,19
